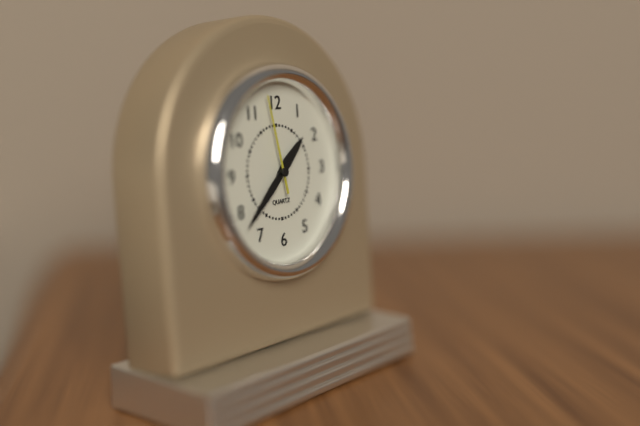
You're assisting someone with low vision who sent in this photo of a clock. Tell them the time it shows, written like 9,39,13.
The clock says 1,38,58
